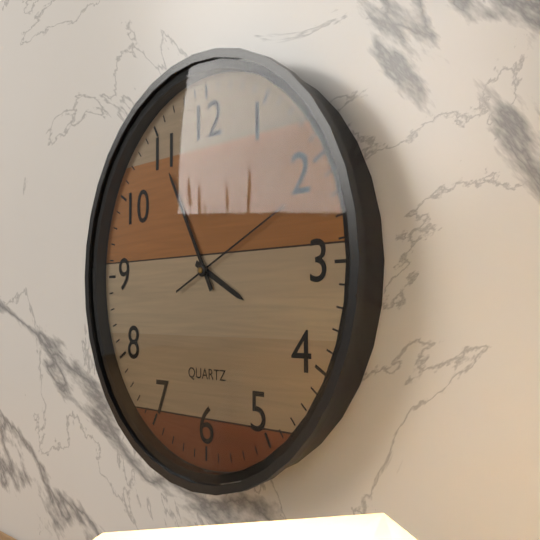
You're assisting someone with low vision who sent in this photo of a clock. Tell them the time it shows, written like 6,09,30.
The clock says 3,55,11
